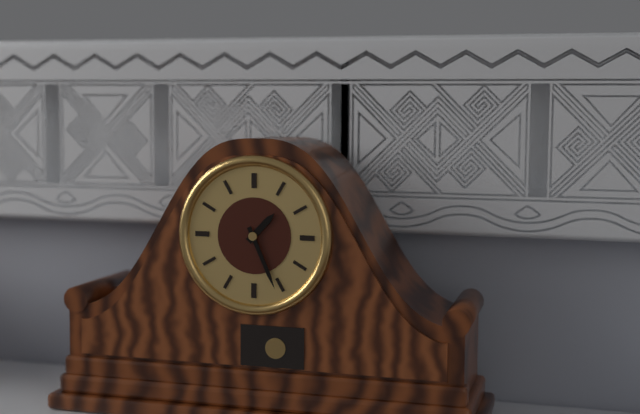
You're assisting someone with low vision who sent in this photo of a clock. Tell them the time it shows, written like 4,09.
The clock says 1,26
